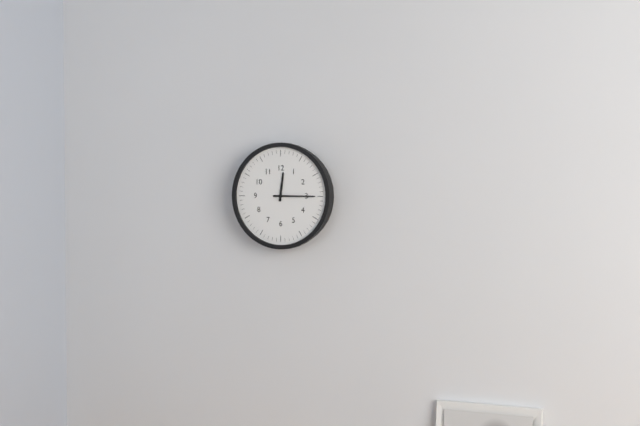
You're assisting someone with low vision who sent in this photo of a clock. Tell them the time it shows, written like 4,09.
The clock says 12,15
